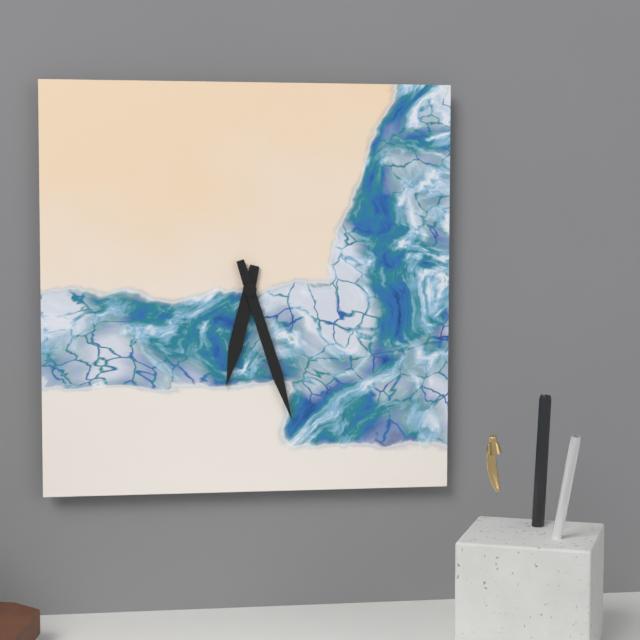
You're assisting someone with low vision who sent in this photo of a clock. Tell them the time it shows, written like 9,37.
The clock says 6,27
